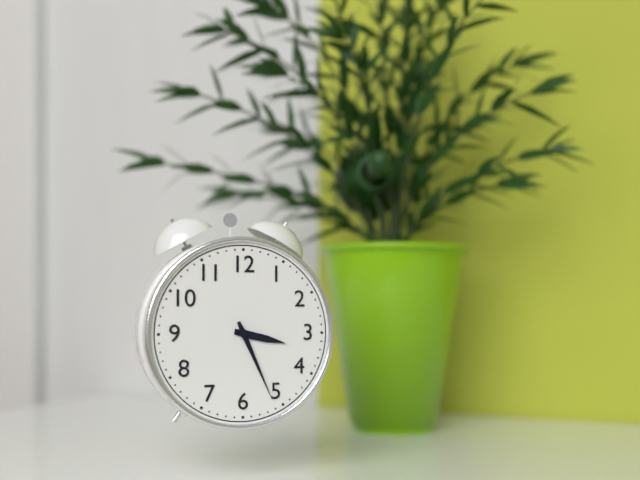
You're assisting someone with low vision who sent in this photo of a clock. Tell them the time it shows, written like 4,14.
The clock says 3,26
